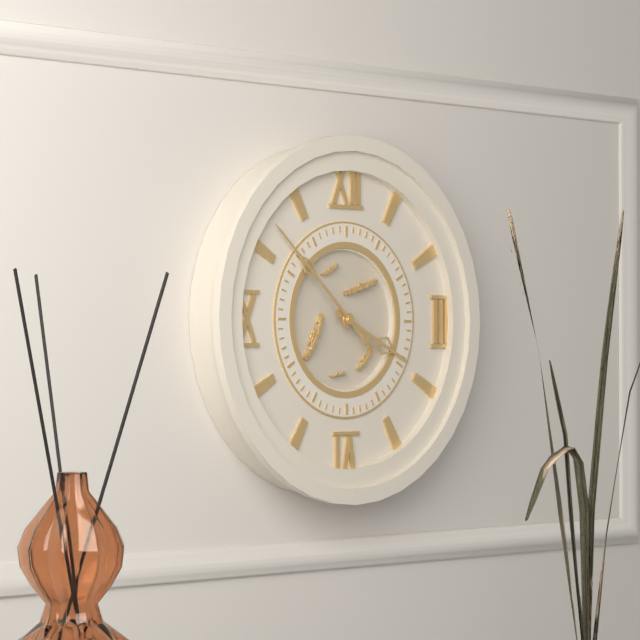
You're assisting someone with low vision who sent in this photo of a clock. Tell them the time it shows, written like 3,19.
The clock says 3,52
